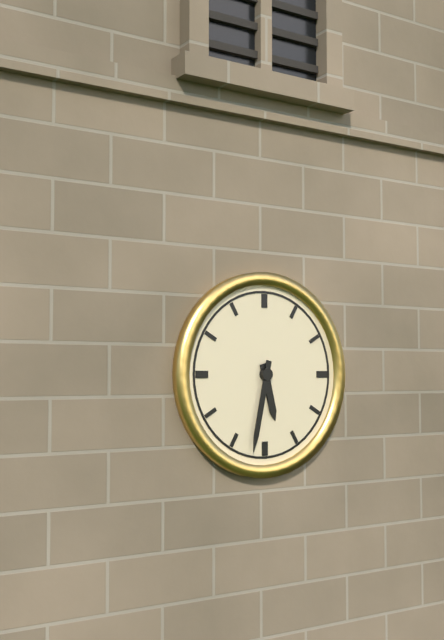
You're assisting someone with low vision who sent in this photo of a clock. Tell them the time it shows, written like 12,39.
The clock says 5,32
